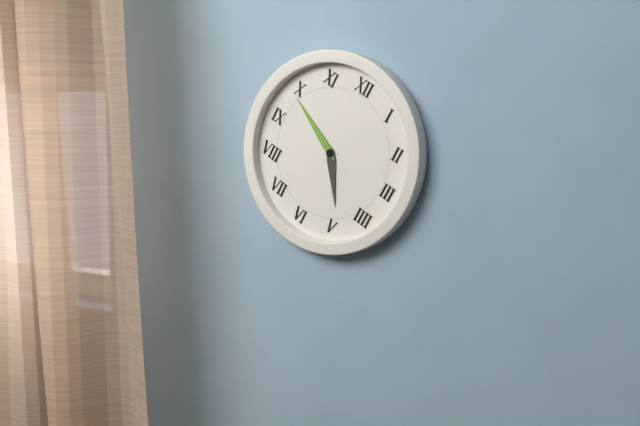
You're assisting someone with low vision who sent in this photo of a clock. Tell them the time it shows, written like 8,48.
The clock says 4,49
